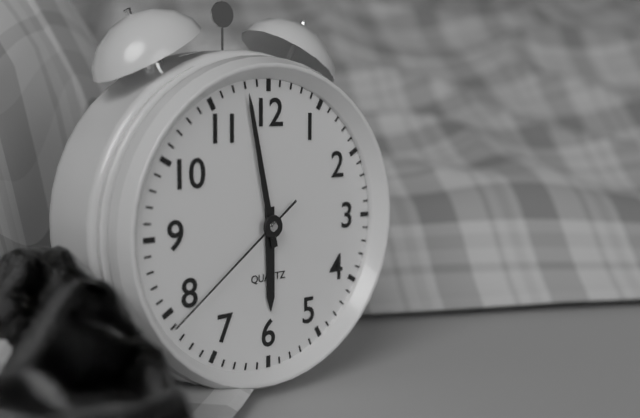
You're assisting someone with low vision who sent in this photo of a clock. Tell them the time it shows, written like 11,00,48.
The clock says 5,58,39
